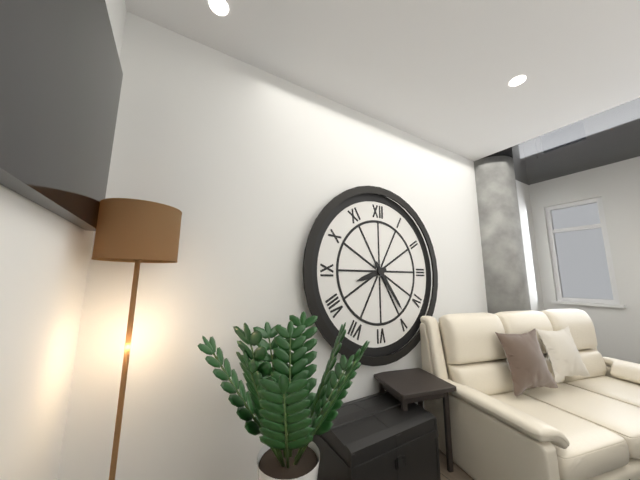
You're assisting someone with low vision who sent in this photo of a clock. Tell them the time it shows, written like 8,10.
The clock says 8,24
